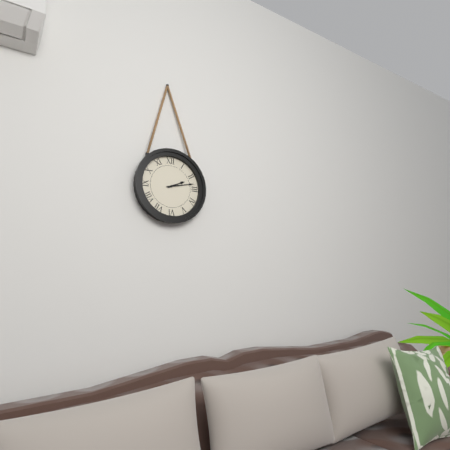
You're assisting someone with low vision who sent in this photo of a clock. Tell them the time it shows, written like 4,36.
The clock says 2,13
